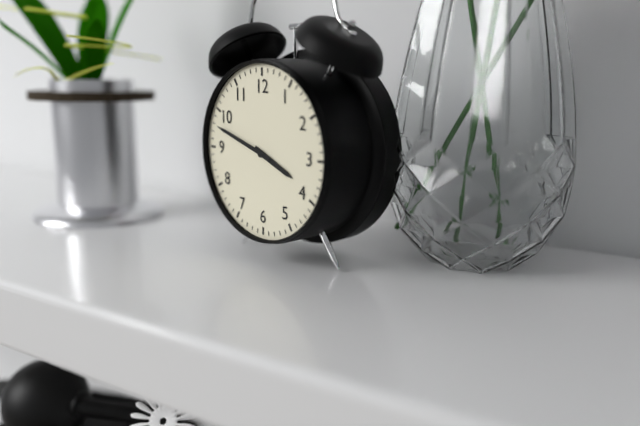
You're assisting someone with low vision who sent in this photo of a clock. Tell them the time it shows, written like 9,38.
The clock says 3,48
